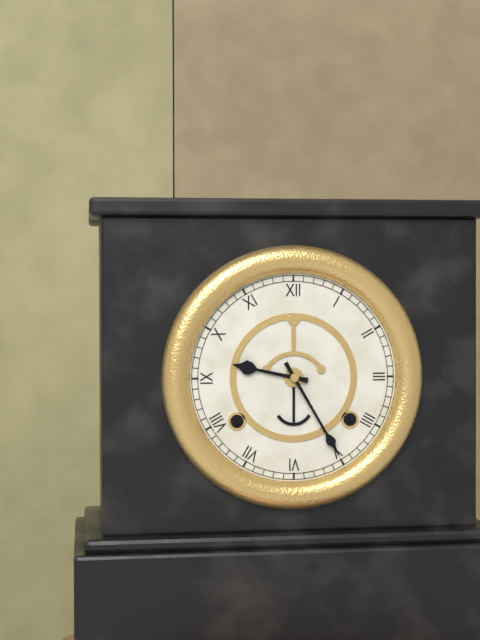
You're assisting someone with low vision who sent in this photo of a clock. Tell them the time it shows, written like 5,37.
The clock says 9,25
